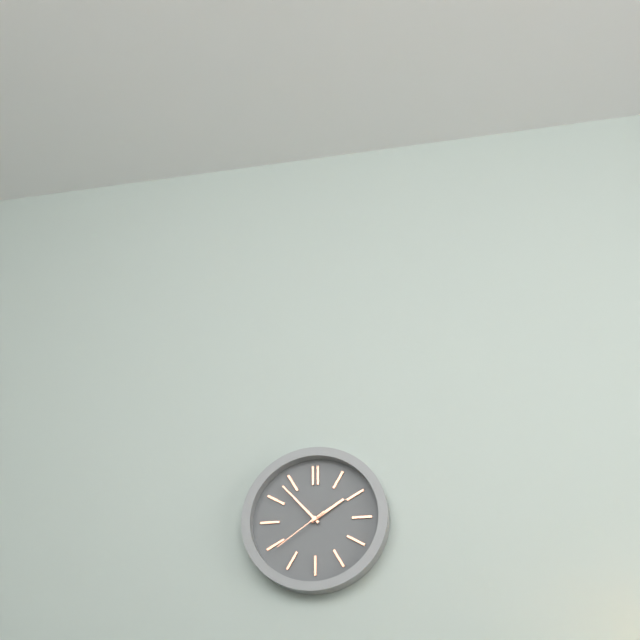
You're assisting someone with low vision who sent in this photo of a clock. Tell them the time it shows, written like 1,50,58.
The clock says 1,53,39
